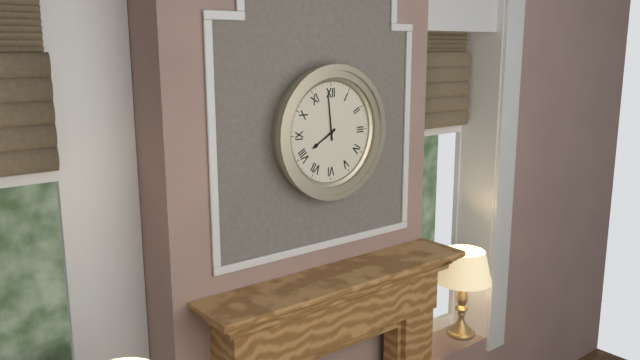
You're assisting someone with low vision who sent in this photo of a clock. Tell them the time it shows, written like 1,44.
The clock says 7,59
